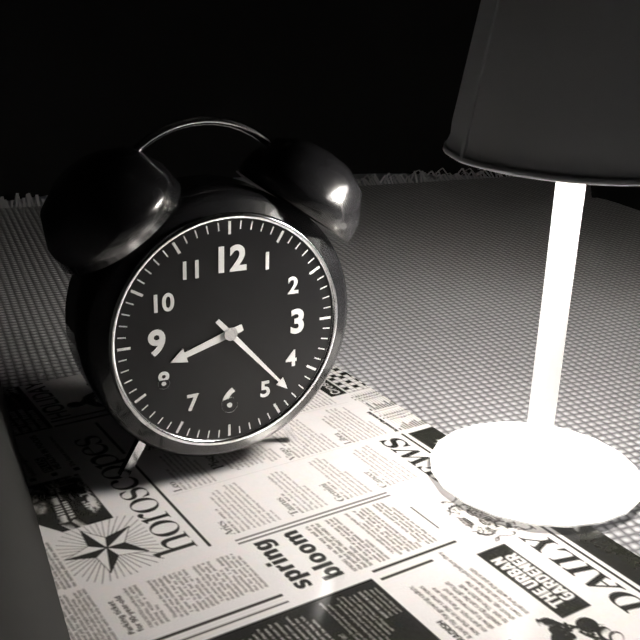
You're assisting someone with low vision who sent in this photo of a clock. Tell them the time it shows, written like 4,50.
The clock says 8,23
